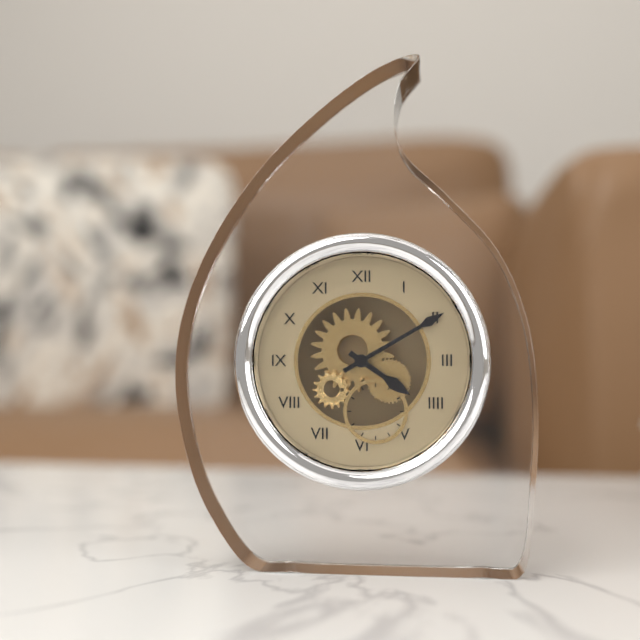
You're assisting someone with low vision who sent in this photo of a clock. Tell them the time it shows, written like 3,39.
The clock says 4,10
